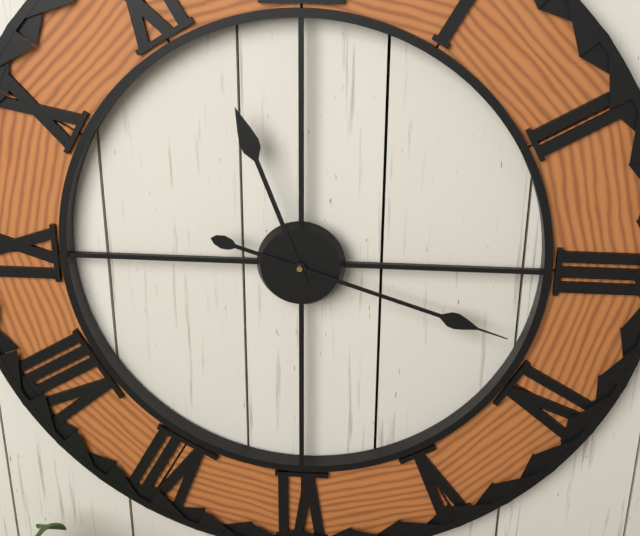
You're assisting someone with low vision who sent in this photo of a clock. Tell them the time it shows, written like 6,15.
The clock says 11,18
